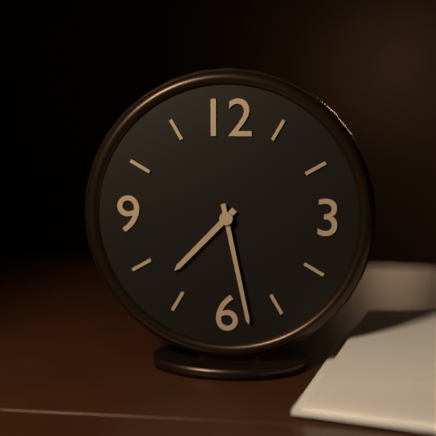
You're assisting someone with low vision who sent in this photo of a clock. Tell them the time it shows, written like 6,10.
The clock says 7,28
